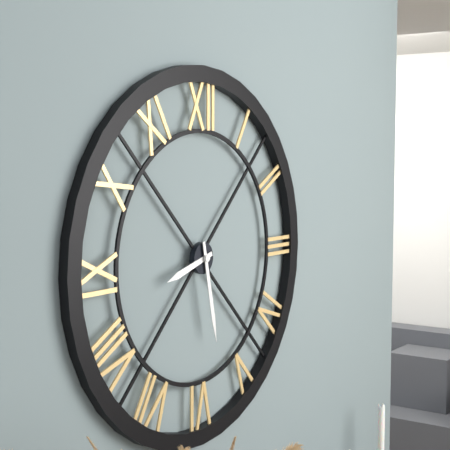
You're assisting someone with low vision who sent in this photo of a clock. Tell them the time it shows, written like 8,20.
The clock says 8,28
